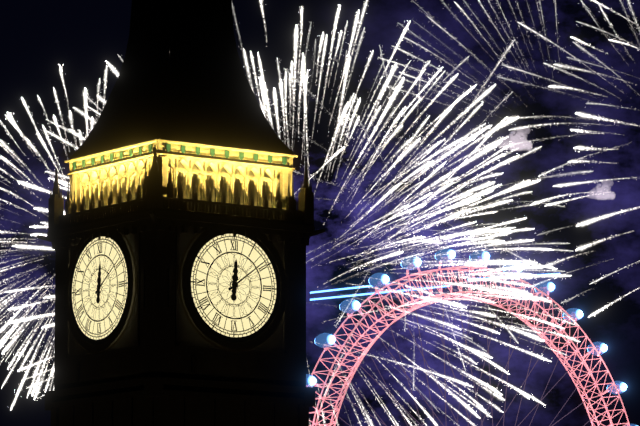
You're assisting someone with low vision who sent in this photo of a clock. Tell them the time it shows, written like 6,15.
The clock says 12,09
